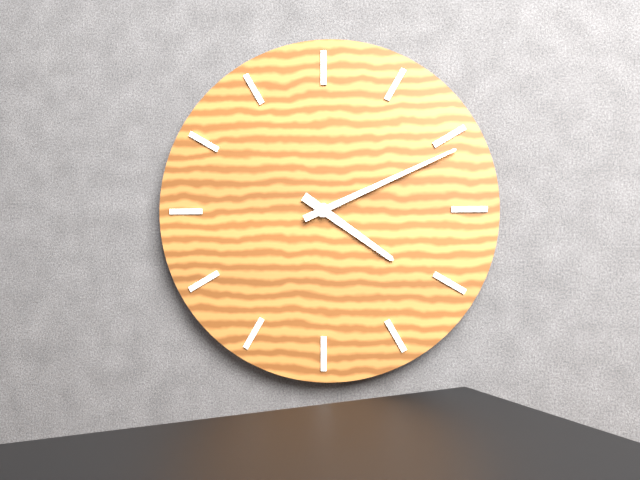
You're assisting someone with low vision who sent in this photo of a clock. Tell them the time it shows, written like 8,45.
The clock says 4,11
